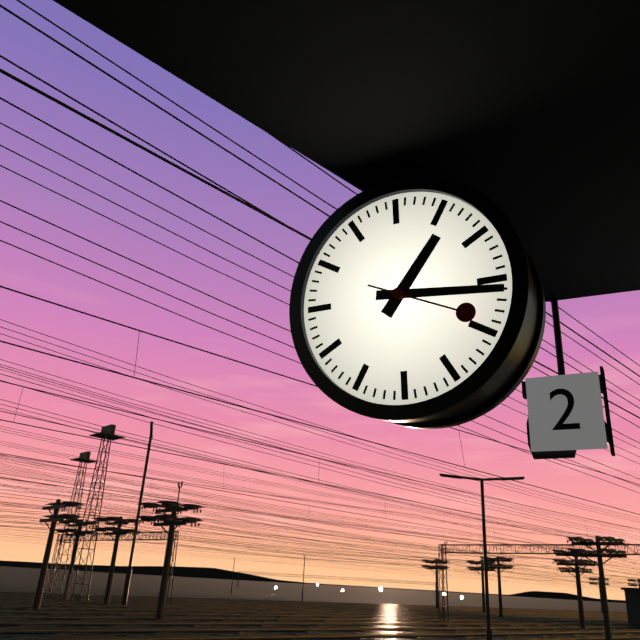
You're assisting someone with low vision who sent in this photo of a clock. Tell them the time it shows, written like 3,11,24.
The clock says 1,16,19
